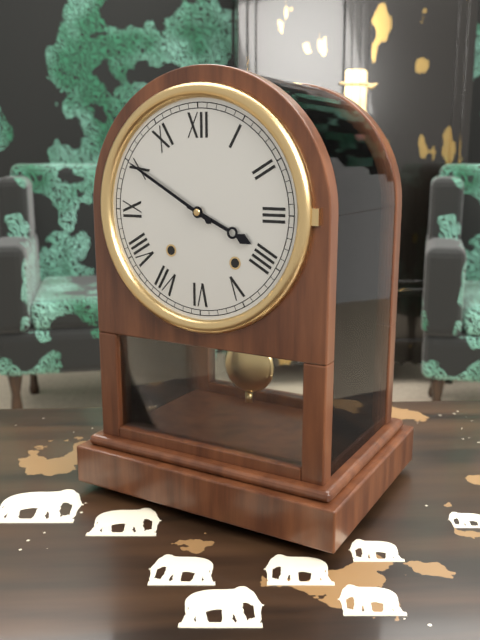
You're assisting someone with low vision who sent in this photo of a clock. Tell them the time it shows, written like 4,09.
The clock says 3,50
